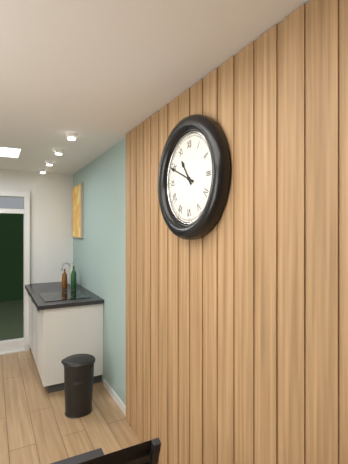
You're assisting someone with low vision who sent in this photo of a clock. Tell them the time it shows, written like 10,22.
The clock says 10,49
